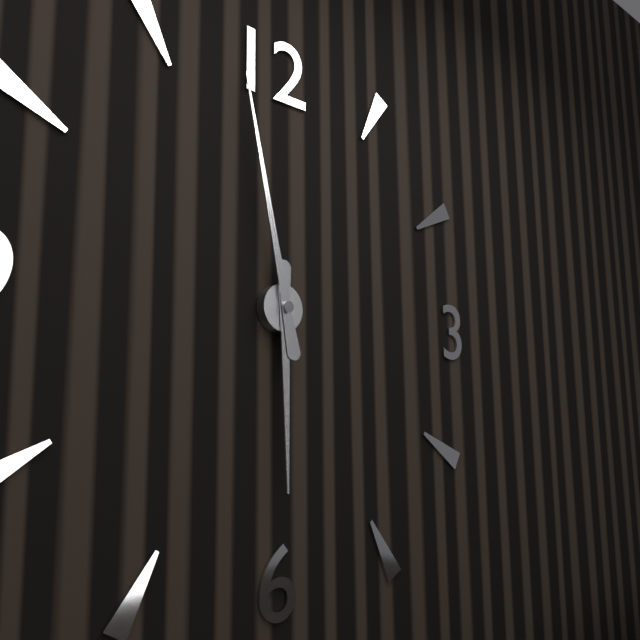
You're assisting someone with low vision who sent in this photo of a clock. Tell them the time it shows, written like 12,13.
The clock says 5,58
